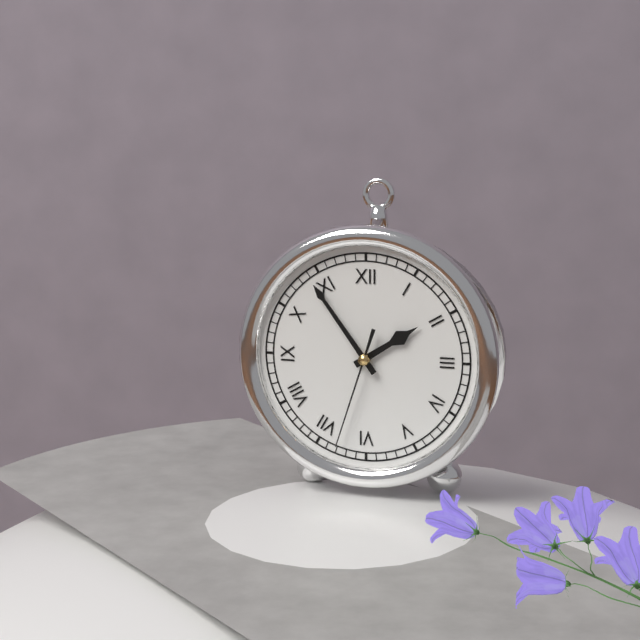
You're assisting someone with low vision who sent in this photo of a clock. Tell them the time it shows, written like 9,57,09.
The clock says 1,54,33
